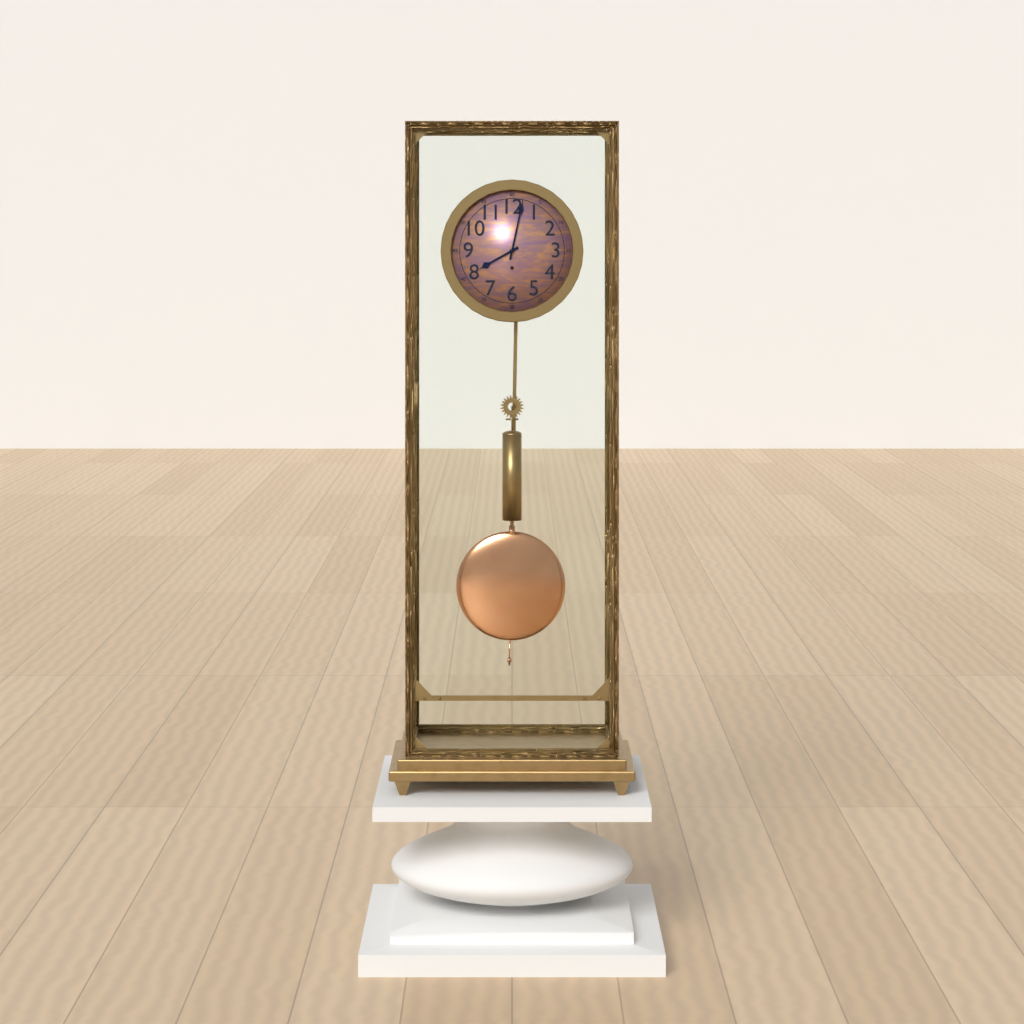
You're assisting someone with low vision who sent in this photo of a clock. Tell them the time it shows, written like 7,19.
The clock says 8,02
